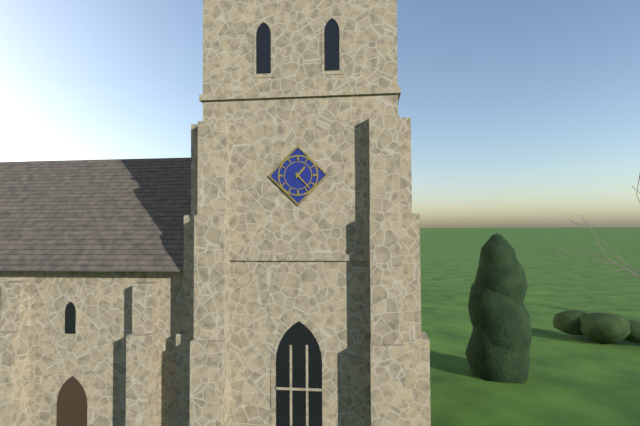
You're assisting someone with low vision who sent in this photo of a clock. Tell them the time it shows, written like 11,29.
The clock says 1,23
